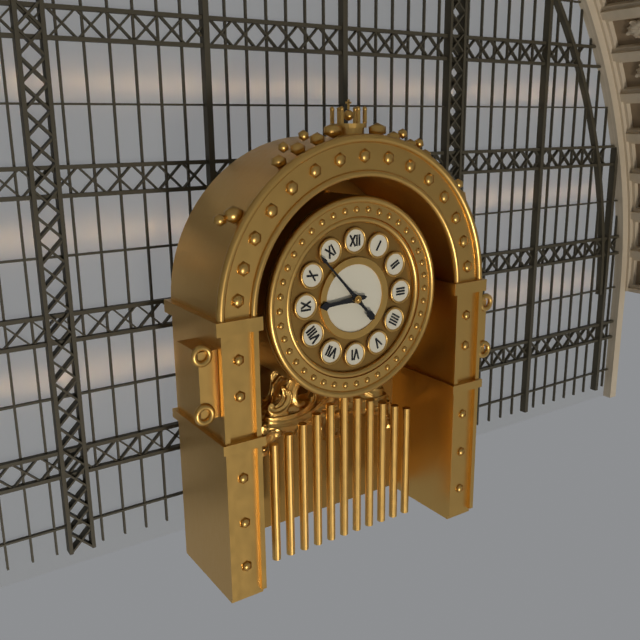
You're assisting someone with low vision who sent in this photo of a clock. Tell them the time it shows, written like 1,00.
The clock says 8,53
